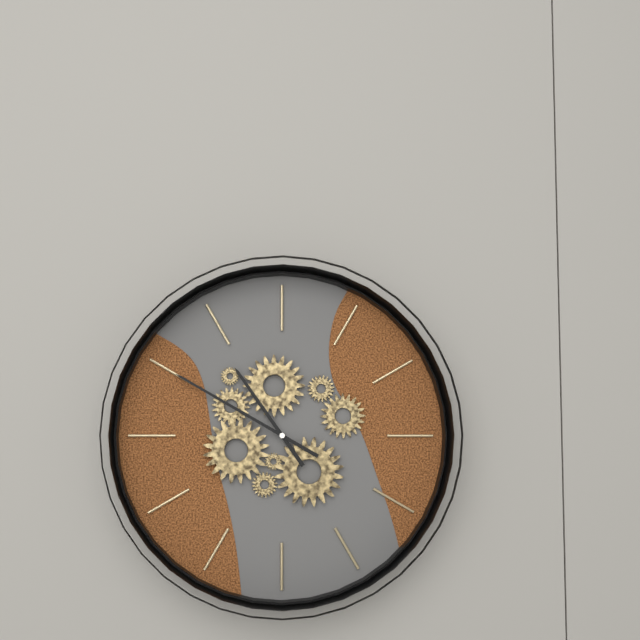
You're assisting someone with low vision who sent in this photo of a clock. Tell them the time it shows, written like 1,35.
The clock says 10,50
